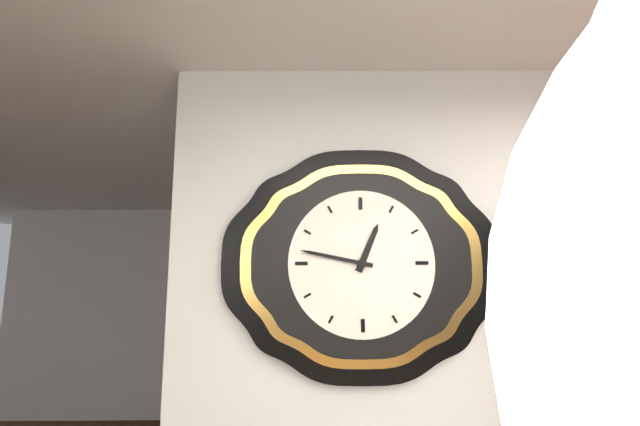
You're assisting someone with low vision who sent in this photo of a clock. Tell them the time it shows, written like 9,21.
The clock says 12,47
